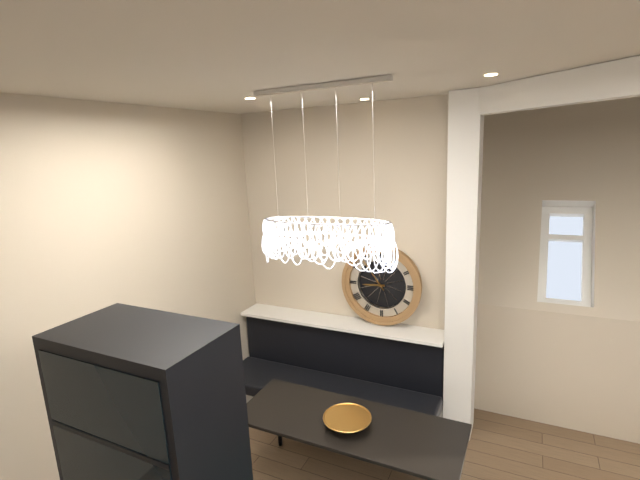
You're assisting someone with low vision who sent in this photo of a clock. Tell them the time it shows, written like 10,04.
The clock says 8,54
